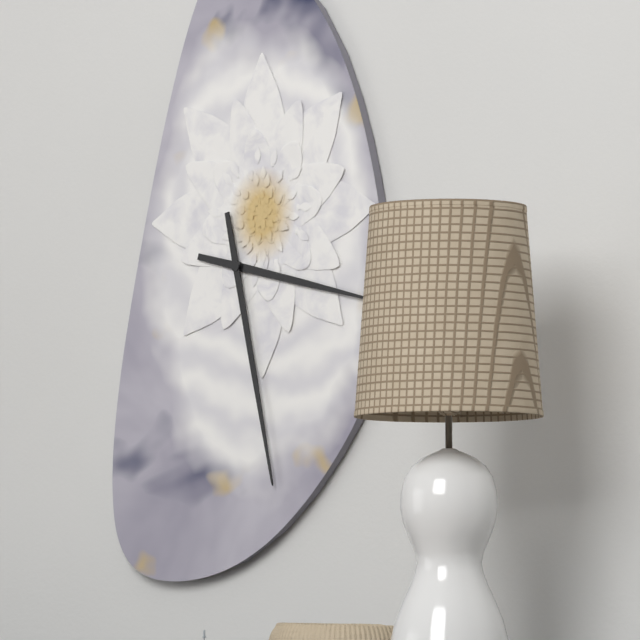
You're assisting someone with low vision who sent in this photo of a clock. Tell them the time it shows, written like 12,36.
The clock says 3,28
